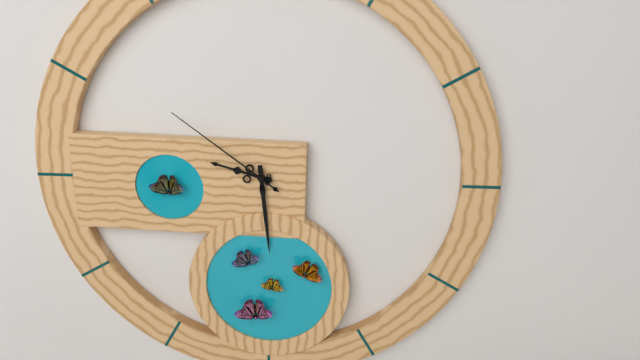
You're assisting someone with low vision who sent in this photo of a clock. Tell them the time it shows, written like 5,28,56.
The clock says 9,29,51
